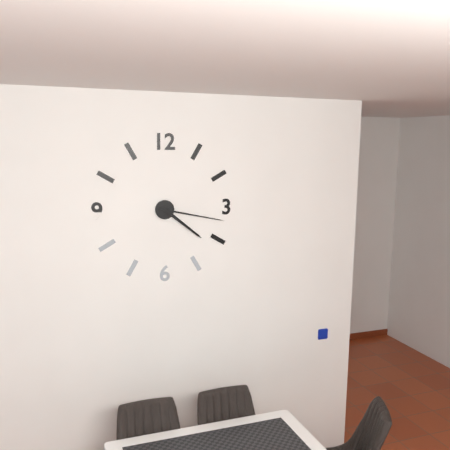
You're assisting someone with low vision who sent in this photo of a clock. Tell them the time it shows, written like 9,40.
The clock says 4,17
